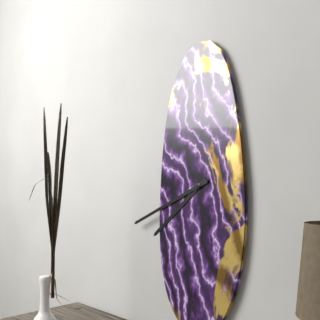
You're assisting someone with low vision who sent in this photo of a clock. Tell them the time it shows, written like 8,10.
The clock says 7,41
